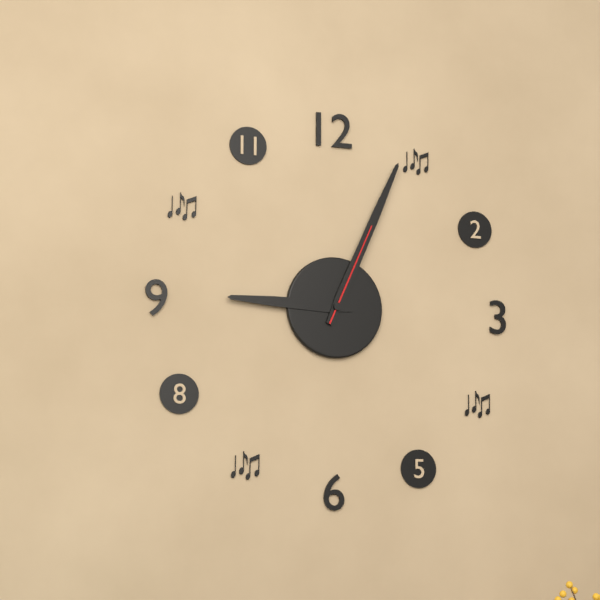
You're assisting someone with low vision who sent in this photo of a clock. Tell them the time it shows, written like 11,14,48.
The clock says 9,04,04
